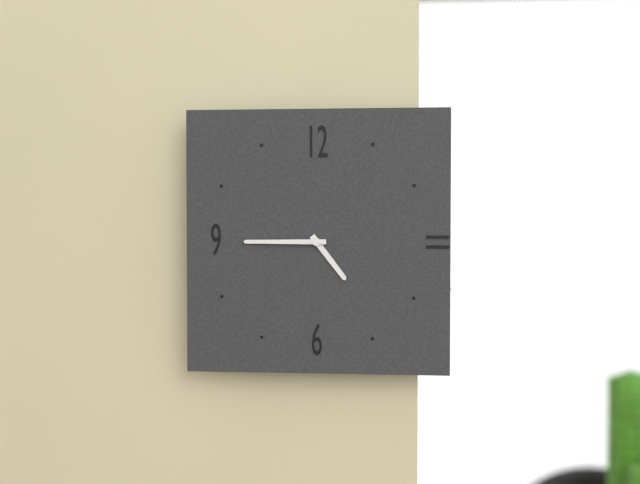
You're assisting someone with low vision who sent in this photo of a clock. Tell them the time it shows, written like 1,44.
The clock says 4,45
